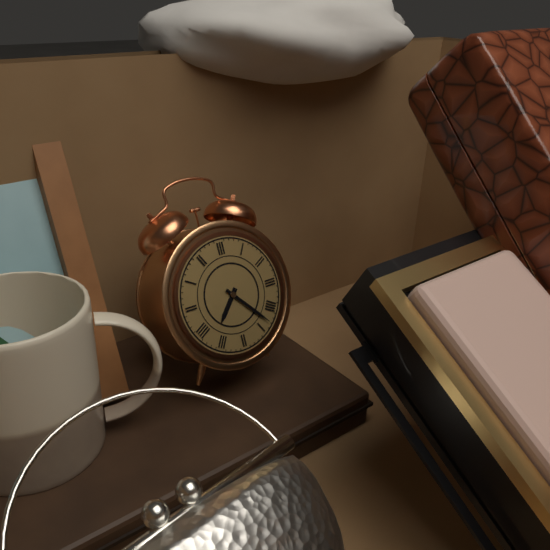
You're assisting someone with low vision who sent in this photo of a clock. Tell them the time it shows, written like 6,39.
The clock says 7,23
